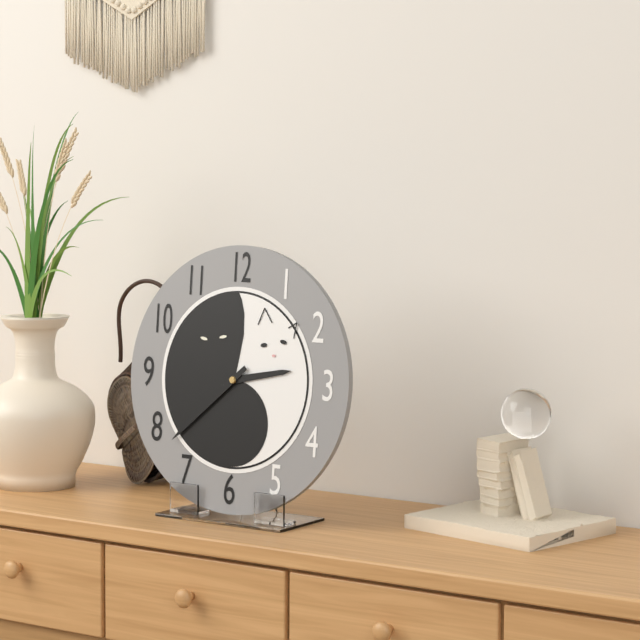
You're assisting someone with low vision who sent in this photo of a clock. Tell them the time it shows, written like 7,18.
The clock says 2,38
